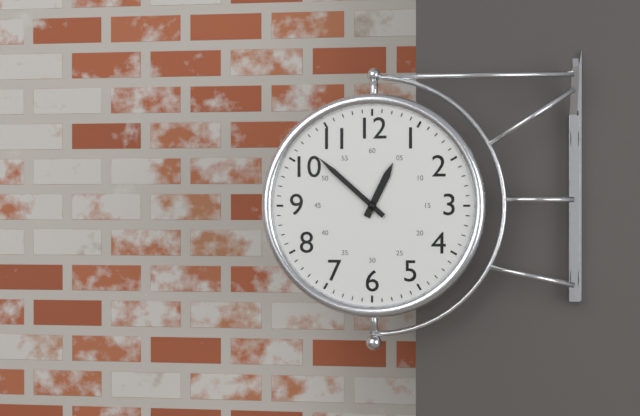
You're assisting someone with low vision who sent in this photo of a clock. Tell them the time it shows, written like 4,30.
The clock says 12,52
